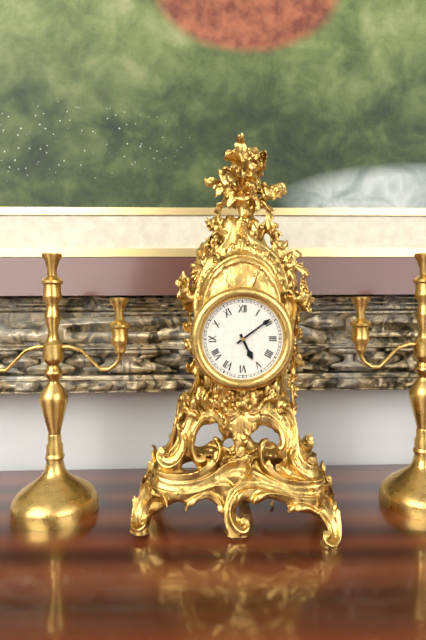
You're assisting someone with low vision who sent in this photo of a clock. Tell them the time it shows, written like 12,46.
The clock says 5,09
